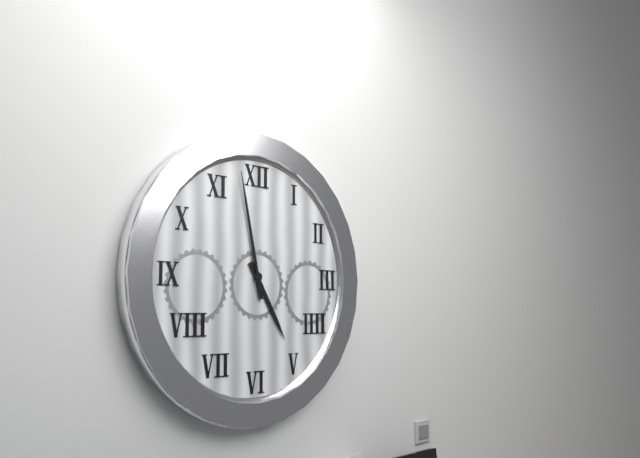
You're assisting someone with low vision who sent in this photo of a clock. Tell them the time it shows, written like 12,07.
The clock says 4,58
